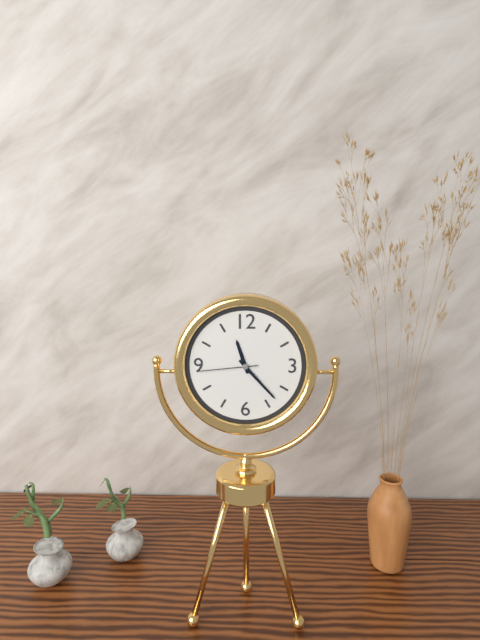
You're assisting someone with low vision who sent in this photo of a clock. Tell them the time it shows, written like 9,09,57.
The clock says 11,23,44
